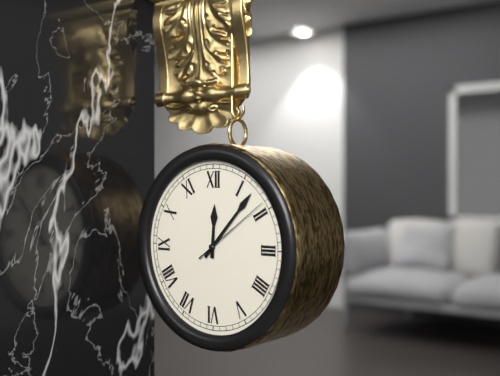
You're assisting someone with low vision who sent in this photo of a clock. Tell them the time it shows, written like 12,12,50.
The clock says 12,07,09
